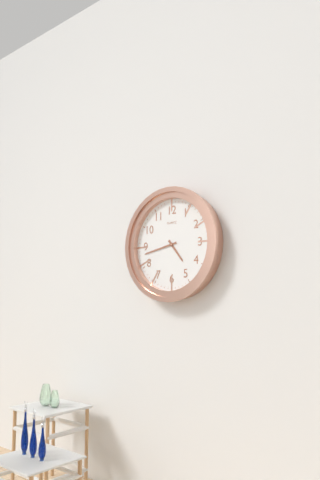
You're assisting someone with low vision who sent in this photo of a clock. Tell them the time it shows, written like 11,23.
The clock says 4,43
